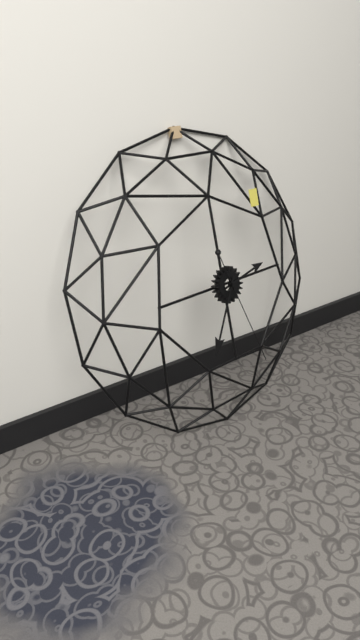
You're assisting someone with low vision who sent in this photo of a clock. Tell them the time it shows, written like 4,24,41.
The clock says 2,35,27
